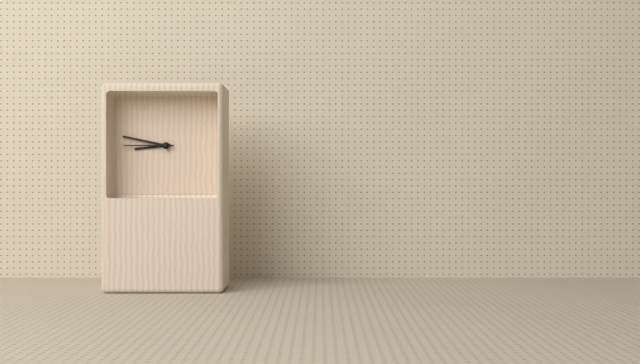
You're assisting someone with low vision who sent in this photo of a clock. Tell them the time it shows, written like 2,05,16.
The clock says 8,47,45
